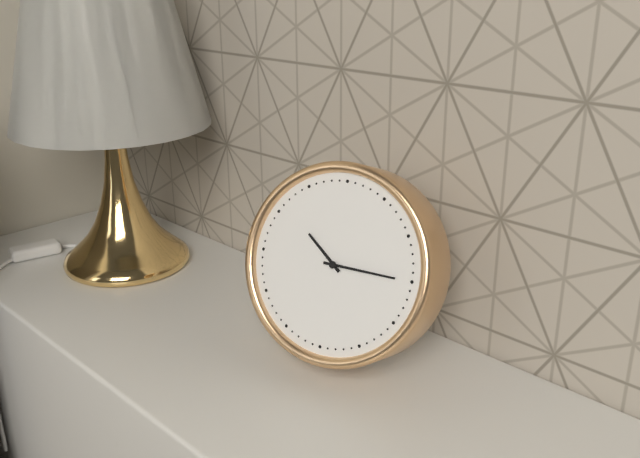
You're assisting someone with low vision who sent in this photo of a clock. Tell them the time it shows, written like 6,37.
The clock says 10,15
